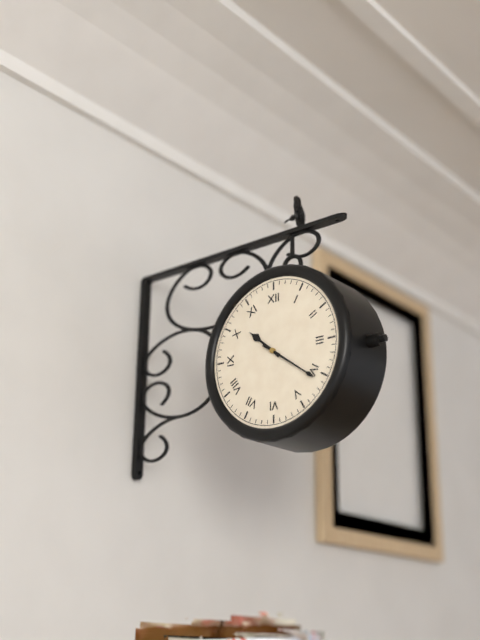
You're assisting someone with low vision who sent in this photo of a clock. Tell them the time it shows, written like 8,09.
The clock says 10,21
